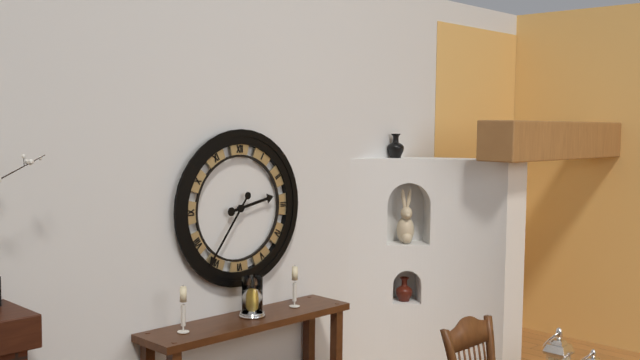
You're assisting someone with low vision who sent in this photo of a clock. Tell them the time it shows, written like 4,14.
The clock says 2,36
